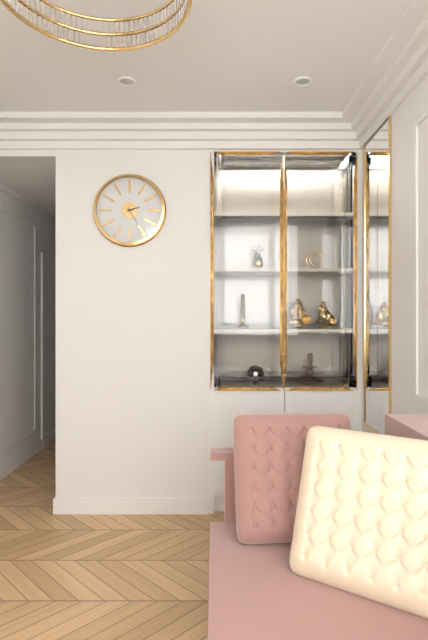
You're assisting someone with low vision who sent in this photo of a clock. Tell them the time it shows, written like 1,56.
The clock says 2,25
